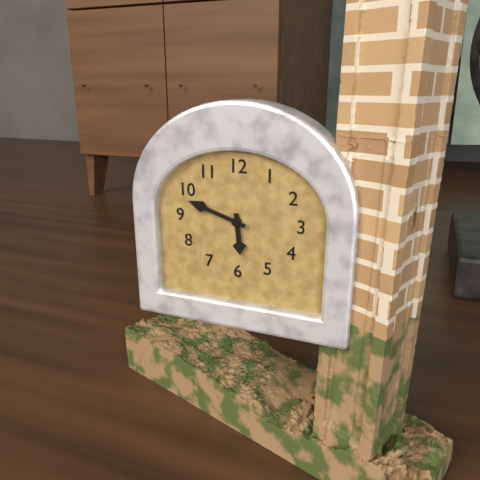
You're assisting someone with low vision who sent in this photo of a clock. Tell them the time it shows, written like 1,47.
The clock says 5,48
